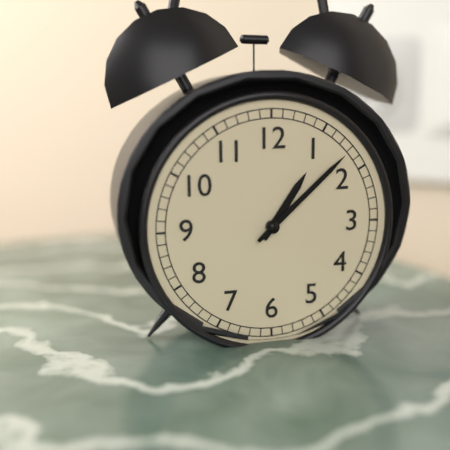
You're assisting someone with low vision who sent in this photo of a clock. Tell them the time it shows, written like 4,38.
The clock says 1,08
